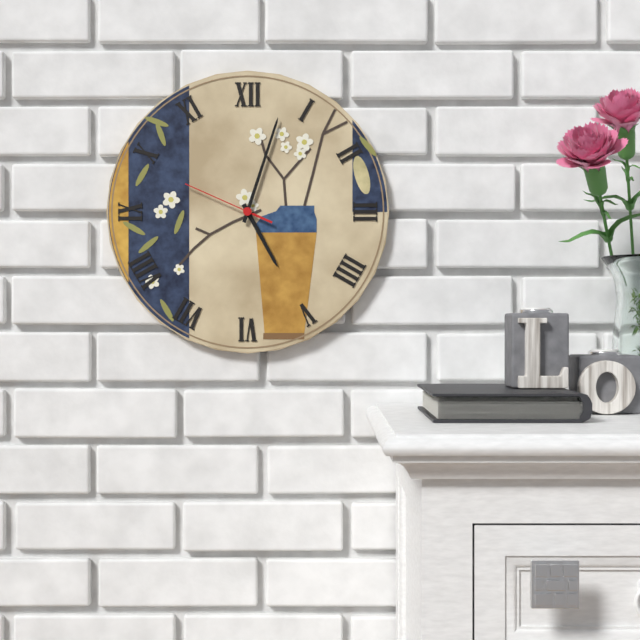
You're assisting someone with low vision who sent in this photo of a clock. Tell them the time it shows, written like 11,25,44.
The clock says 5,03,49
